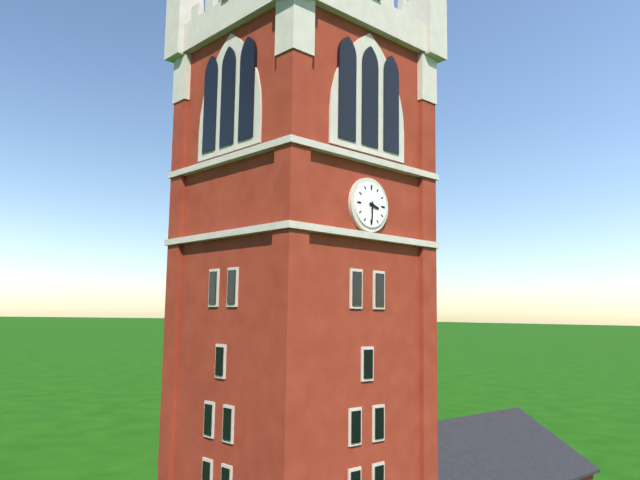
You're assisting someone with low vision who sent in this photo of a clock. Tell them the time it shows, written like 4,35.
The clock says 3,30
